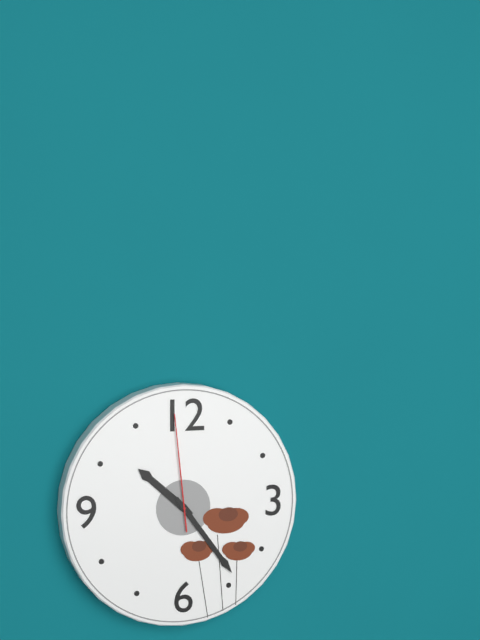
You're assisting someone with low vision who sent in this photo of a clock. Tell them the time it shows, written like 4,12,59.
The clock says 10,24,59
